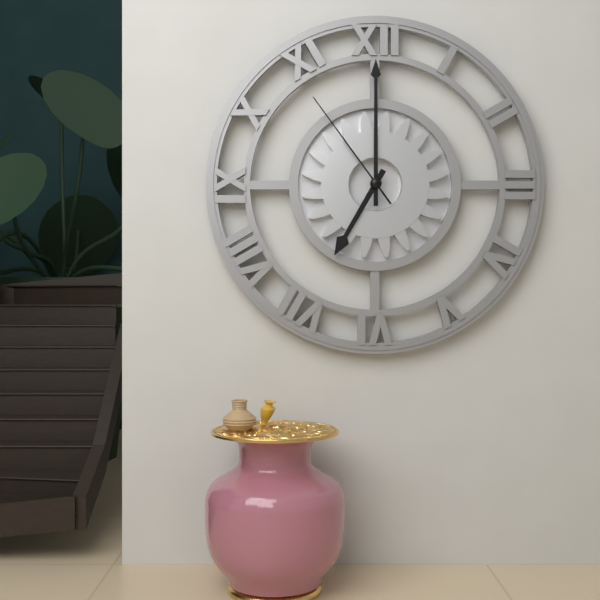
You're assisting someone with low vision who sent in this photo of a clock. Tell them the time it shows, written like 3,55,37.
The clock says 7,00,54
